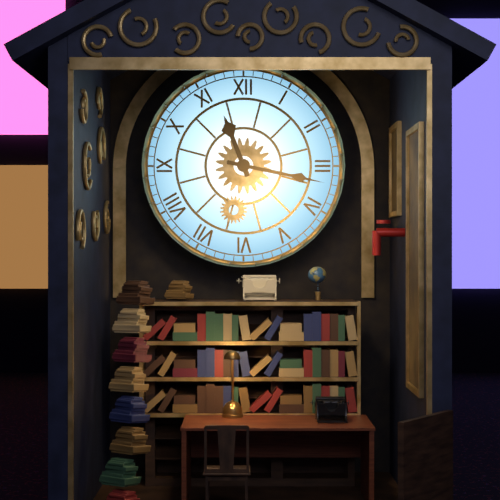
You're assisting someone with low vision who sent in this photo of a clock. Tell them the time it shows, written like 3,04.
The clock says 11,17
